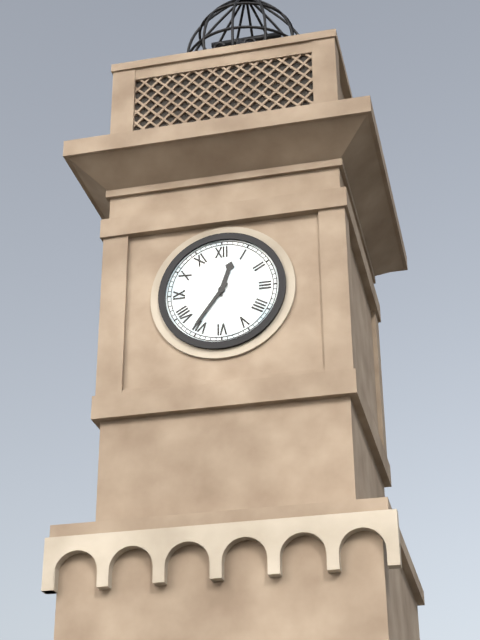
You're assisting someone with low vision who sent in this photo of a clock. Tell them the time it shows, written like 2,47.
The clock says 12,36
